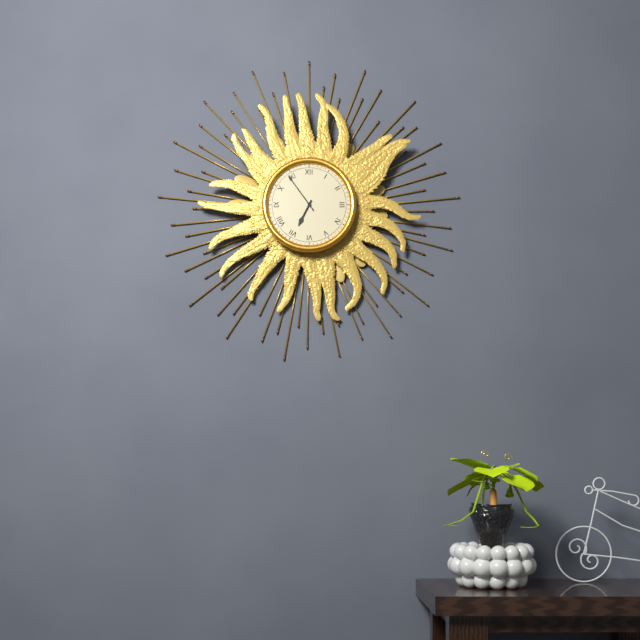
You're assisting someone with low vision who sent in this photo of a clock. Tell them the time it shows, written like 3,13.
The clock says 6,54
